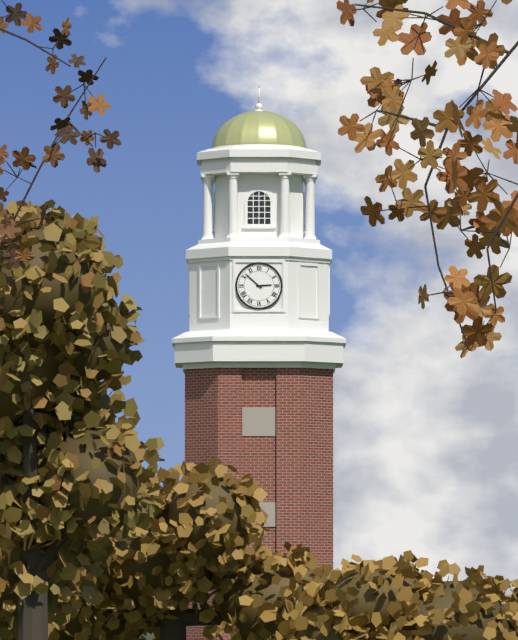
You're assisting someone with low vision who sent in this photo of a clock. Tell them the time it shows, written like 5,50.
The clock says 2,52
